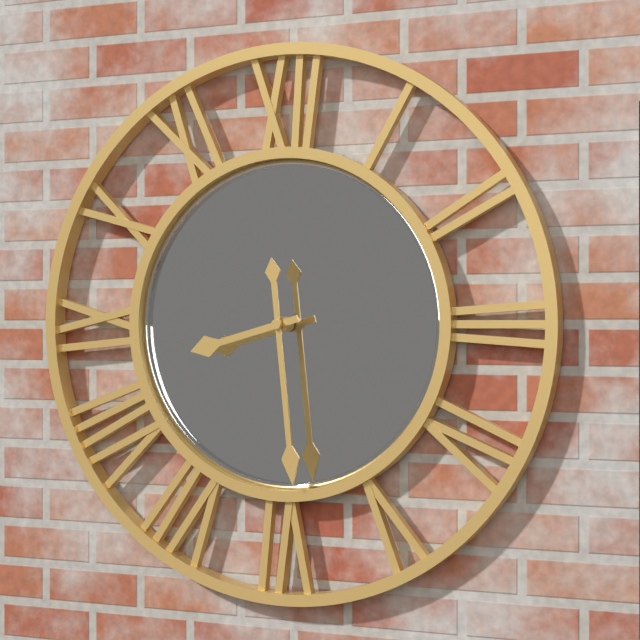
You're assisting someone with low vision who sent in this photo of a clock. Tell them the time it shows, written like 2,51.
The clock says 8,29
